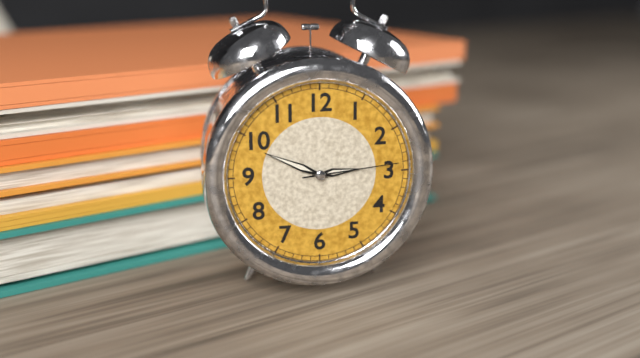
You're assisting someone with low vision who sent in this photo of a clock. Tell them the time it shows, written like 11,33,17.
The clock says 2,49,14
